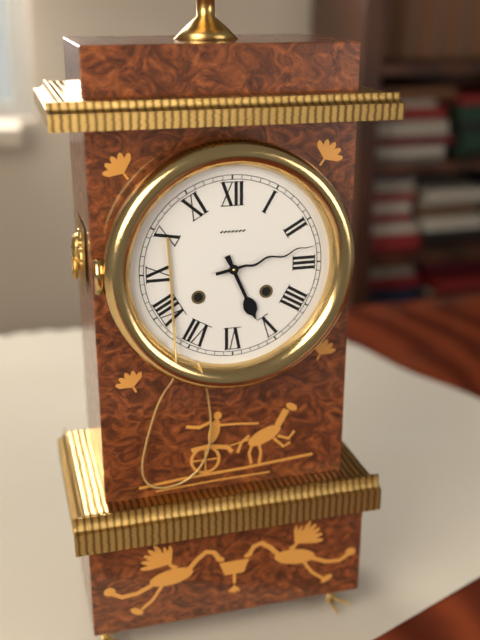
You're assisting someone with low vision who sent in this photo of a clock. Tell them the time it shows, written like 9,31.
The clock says 5,13
